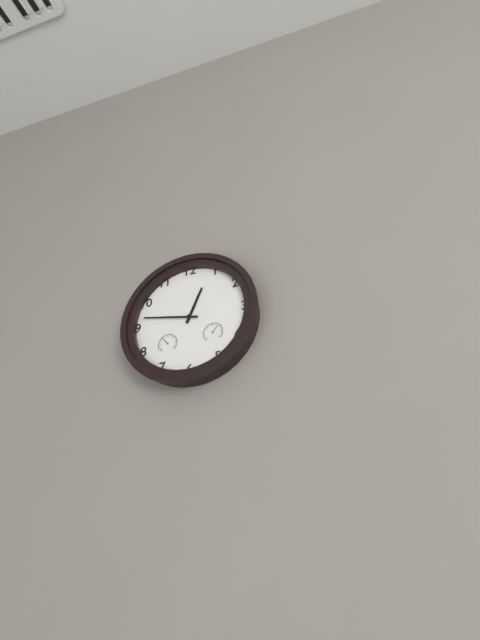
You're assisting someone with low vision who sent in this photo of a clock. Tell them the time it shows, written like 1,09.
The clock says 12,47
